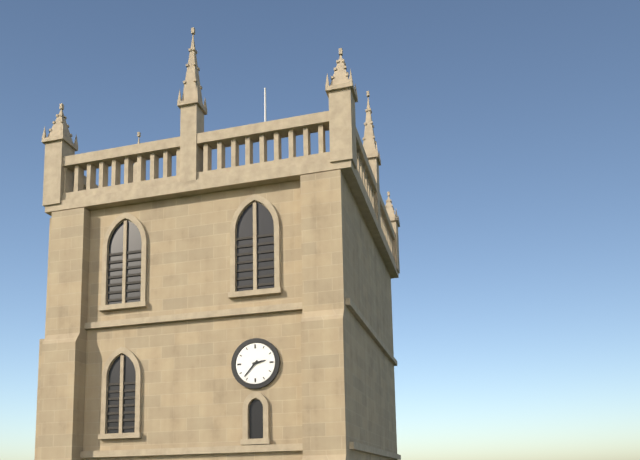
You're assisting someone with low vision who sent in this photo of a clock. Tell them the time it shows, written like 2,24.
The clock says 2,37
